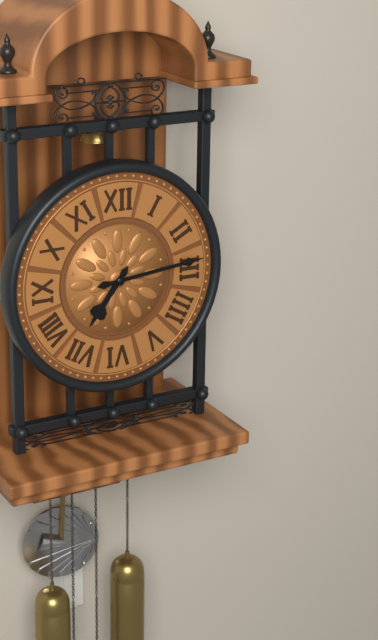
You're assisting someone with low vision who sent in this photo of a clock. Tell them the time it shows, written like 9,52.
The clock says 7,14
